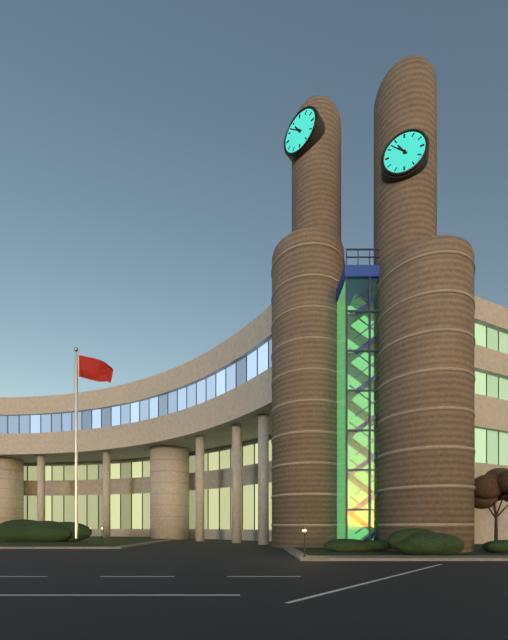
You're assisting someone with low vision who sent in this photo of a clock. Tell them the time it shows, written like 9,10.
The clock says 10,52
